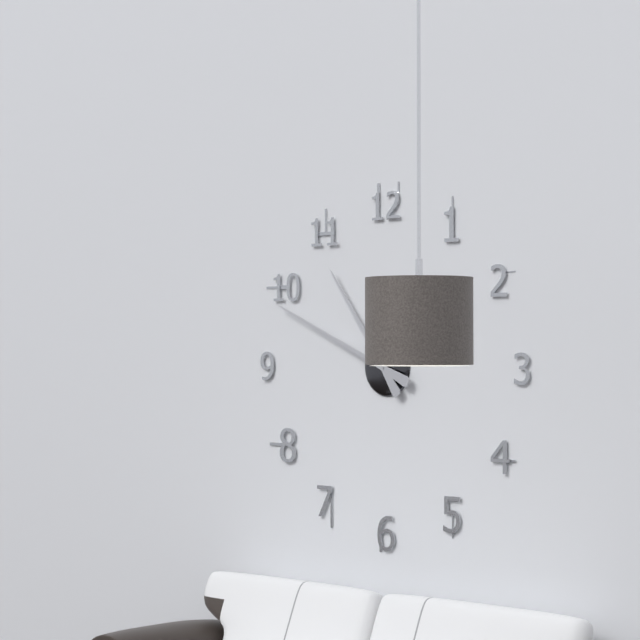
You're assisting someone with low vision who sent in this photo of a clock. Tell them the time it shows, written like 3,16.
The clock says 10,49
